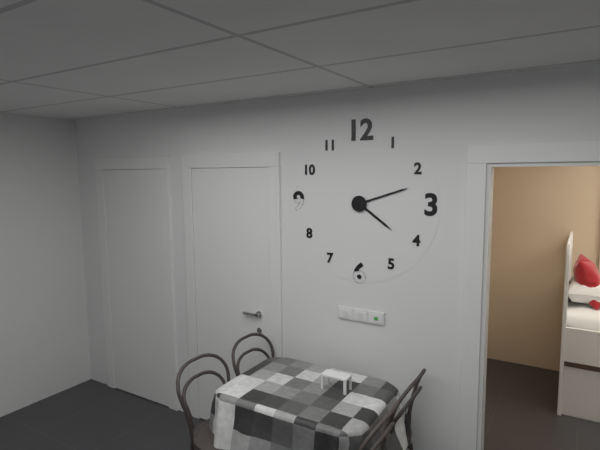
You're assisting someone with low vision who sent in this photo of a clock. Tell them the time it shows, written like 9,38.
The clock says 4,12
